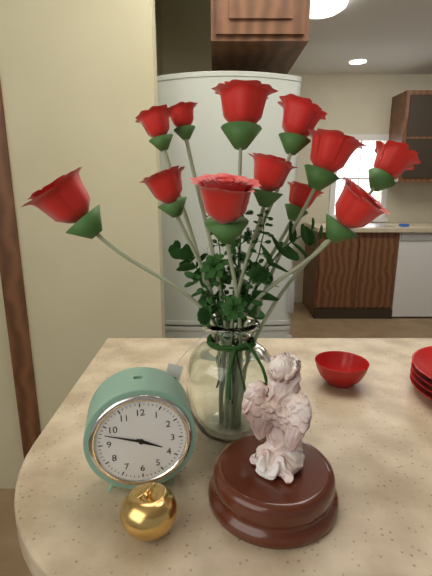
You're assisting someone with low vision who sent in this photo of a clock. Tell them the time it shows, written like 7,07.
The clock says 3,48
